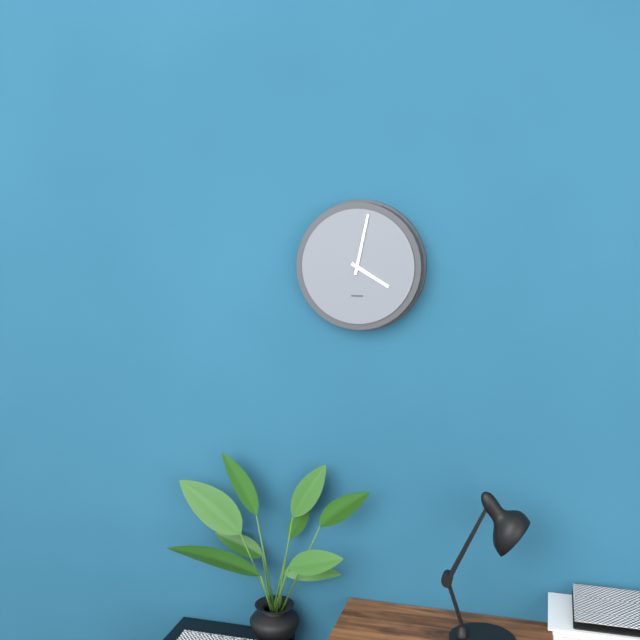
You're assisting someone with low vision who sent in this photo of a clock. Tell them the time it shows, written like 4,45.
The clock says 4,02
